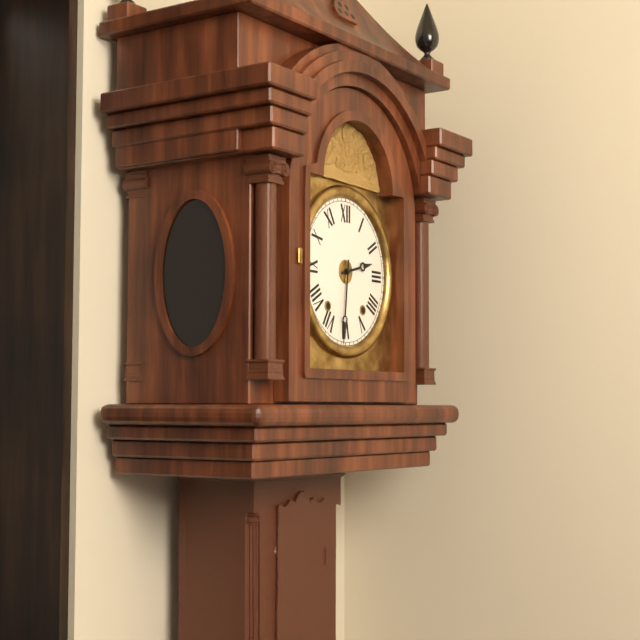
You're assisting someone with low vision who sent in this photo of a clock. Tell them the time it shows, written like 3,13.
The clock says 2,31
